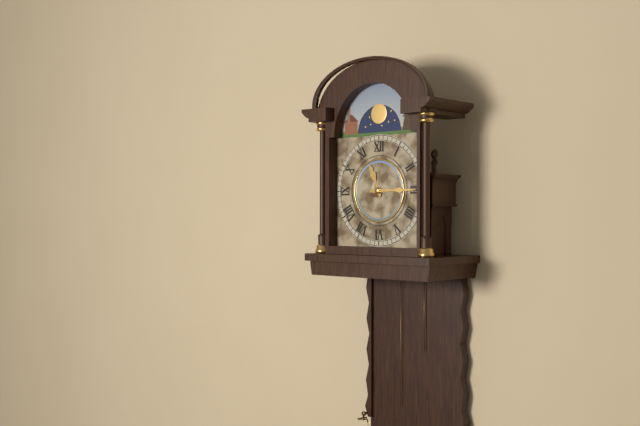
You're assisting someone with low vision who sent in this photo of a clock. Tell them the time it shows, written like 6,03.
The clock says 11,15
